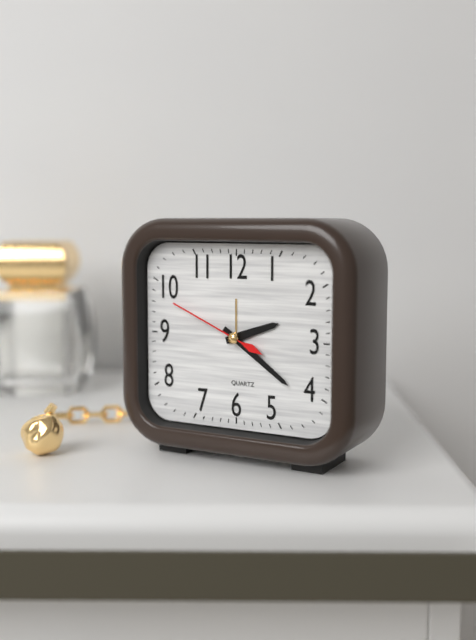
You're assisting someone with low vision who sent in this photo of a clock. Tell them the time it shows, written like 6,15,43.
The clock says 2,21,49
